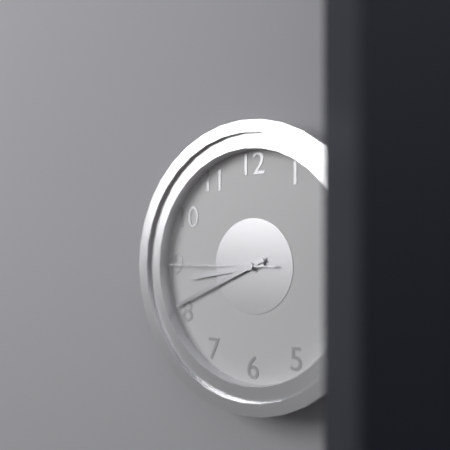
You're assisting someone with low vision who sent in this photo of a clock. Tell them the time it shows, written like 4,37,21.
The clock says 8,41,45
